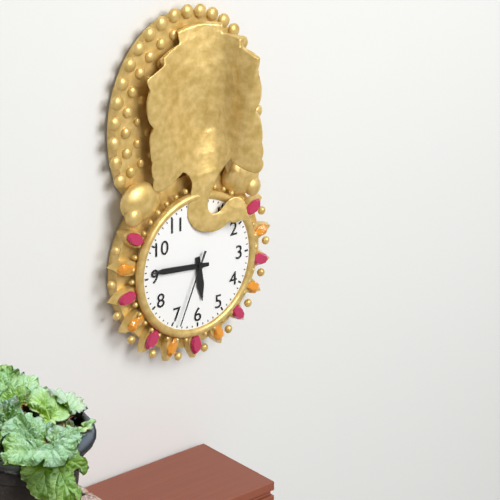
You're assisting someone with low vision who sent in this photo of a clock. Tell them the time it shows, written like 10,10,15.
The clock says 5,46,34
